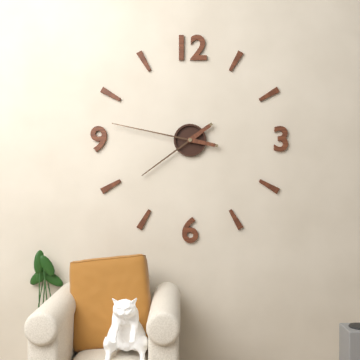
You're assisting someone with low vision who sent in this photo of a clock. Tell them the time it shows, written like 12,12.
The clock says 7,47
